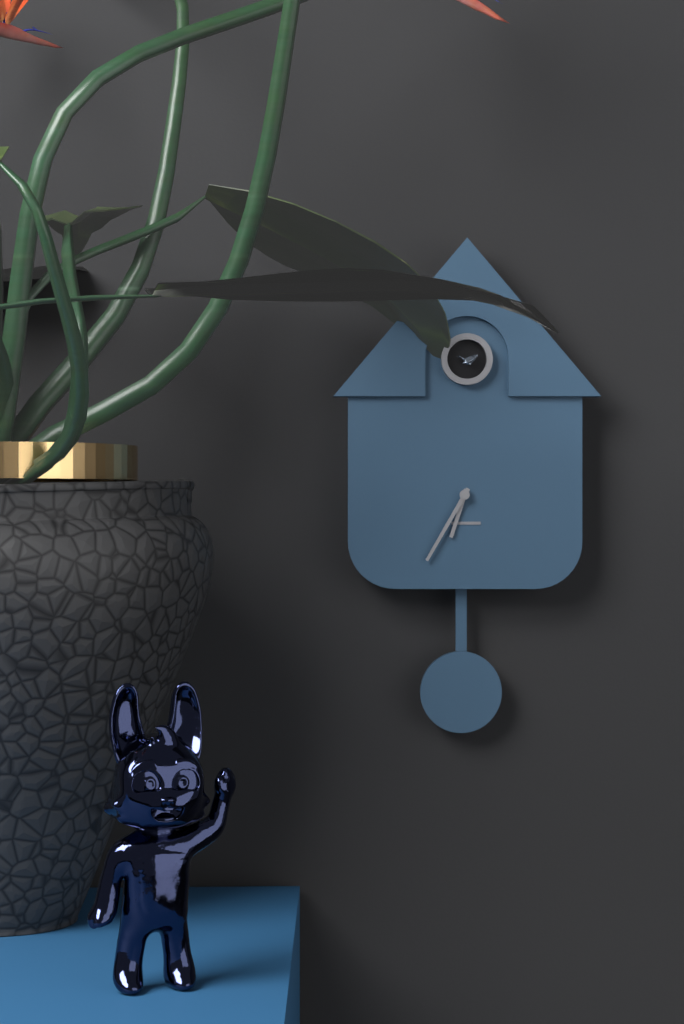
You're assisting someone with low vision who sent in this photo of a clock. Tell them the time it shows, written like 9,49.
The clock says 6,35
